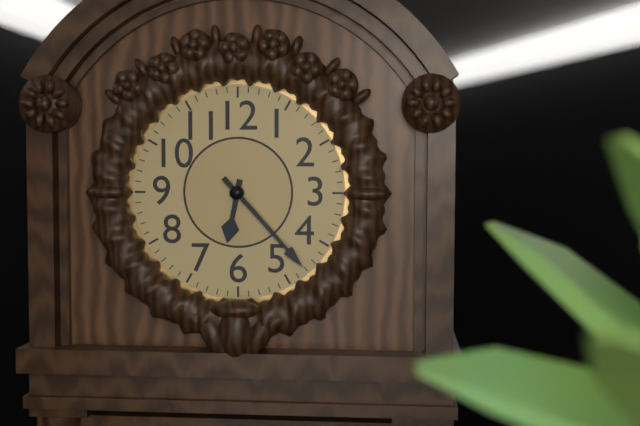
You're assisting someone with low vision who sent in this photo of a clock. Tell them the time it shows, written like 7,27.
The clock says 6,23
